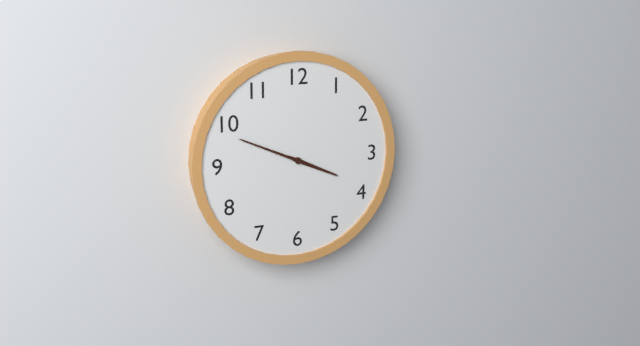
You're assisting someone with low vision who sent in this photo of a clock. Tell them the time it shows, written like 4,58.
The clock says 3,49
